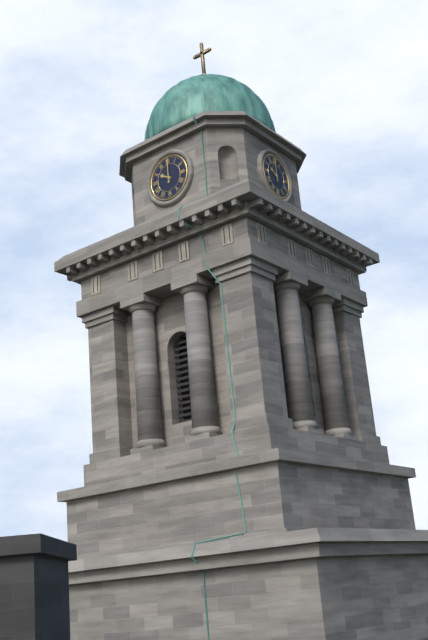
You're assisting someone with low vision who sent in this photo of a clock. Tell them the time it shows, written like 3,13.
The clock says 10,00
